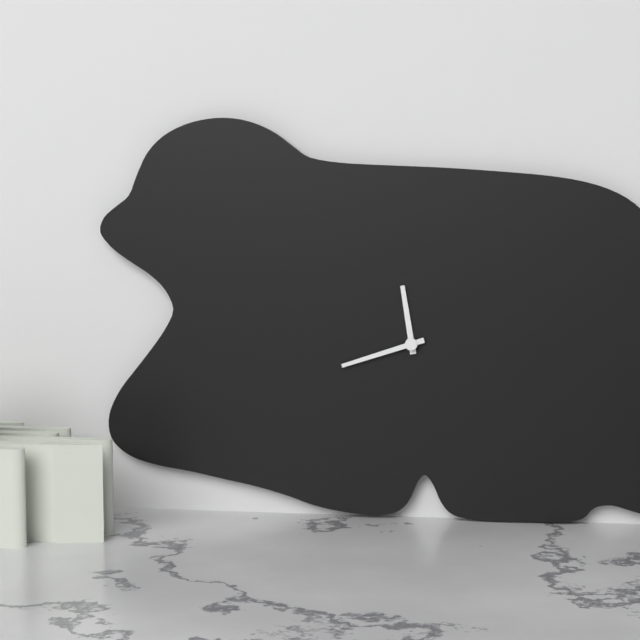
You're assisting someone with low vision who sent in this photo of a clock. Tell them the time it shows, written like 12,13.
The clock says 11,42
